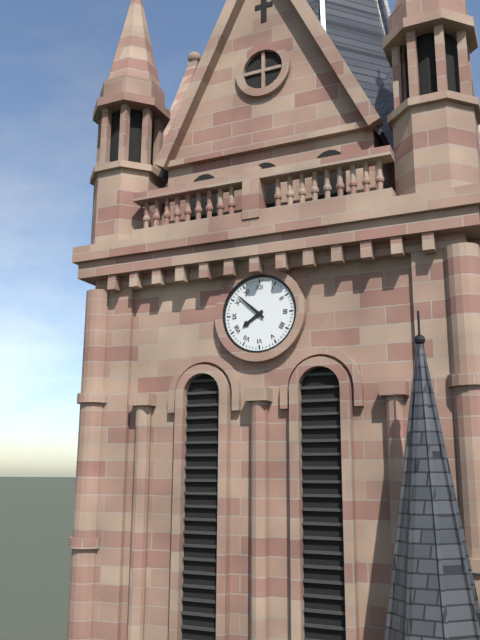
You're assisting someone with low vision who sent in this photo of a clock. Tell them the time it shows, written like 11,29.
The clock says 7,52
